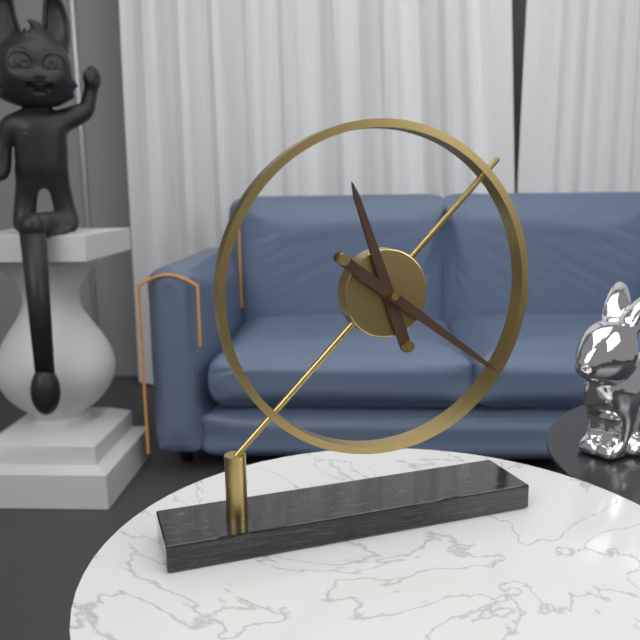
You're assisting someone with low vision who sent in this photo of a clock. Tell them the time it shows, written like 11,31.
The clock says 11,21
